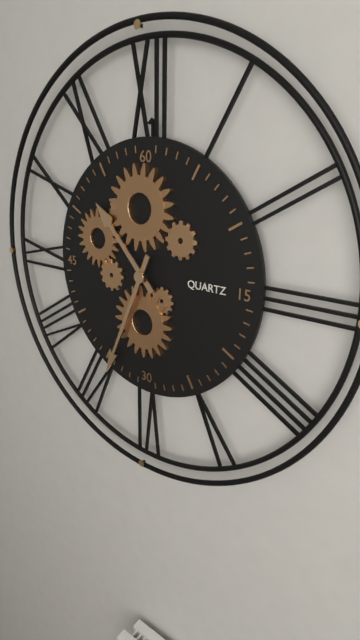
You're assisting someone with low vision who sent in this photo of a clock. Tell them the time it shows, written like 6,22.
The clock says 10,34
